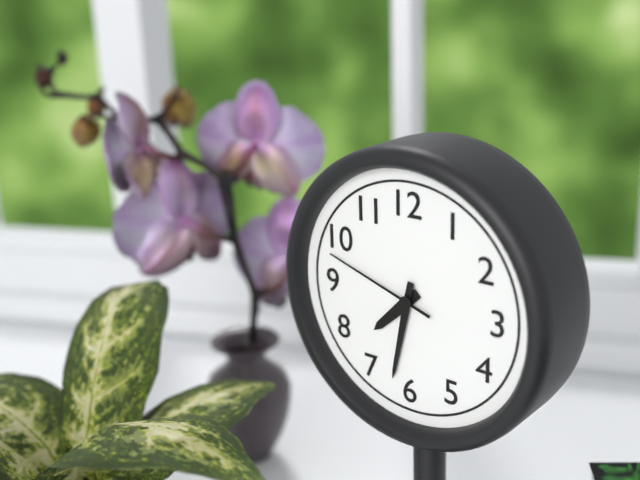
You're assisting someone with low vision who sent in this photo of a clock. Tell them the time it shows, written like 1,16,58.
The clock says 7,32,48
